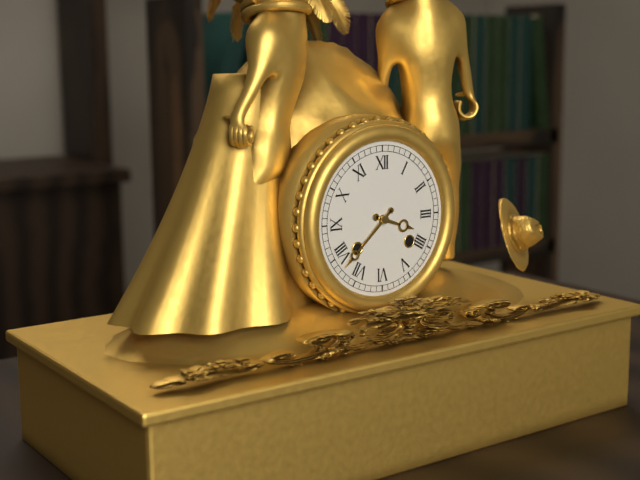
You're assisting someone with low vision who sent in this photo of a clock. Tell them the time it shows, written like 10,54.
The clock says 3,38
